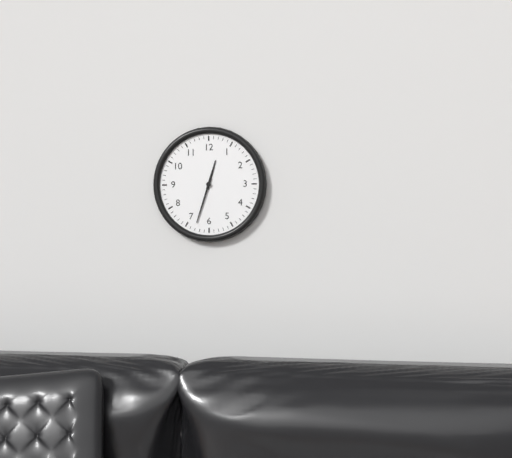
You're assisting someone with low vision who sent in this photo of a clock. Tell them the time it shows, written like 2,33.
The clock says 12,33
